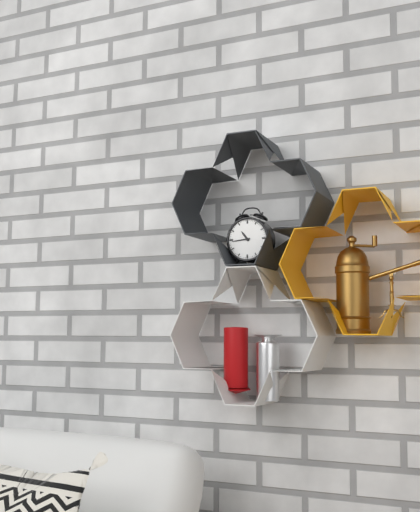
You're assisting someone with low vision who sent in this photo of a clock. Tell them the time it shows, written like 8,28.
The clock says 10,44
